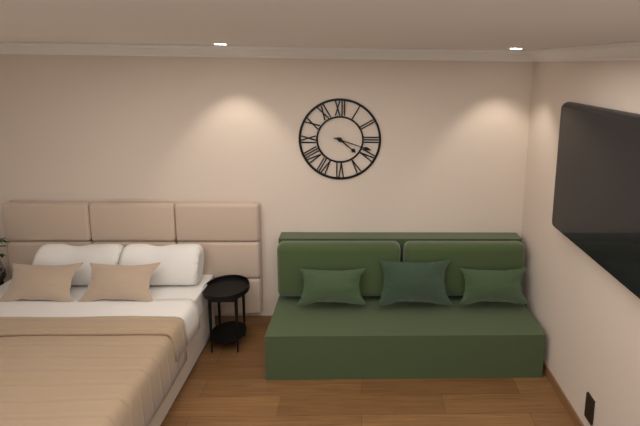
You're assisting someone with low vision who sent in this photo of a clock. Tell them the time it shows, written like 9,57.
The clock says 4,18
